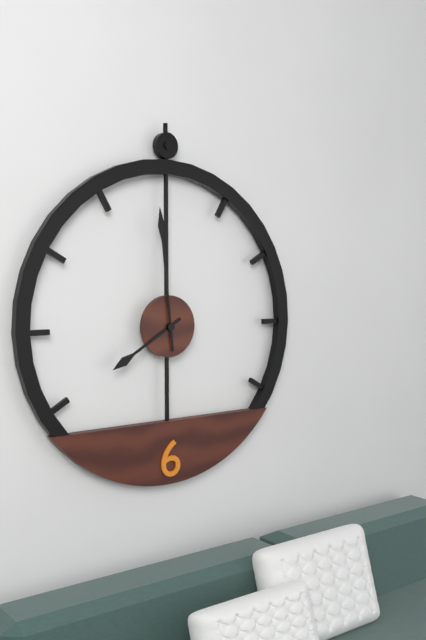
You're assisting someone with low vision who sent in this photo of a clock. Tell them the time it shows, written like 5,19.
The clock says 7,59
